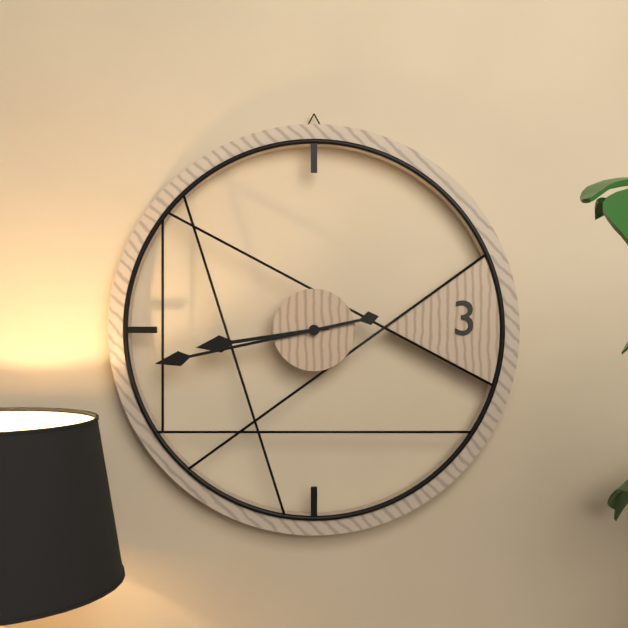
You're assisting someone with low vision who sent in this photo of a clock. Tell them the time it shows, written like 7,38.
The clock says 8,43
